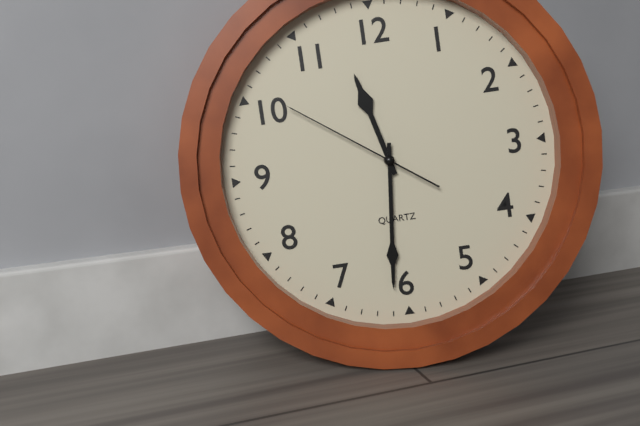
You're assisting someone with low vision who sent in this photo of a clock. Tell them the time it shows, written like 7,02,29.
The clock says 11,31,51
